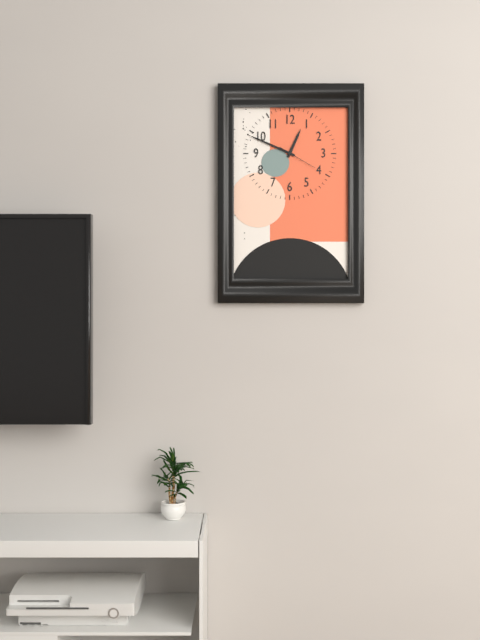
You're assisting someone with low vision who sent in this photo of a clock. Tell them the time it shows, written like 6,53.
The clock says 12,49
